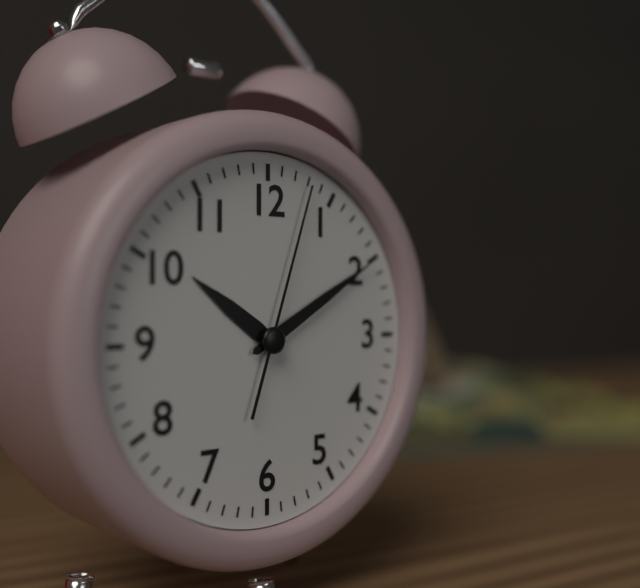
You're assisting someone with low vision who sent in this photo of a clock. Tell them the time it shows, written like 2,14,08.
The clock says 10,10,03
